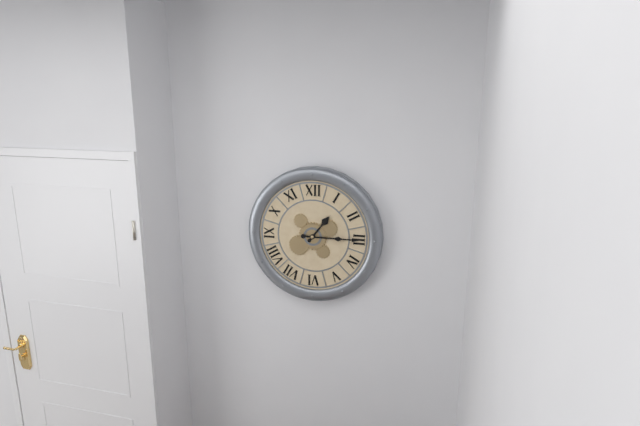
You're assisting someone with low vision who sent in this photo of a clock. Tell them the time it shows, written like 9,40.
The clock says 1,15
